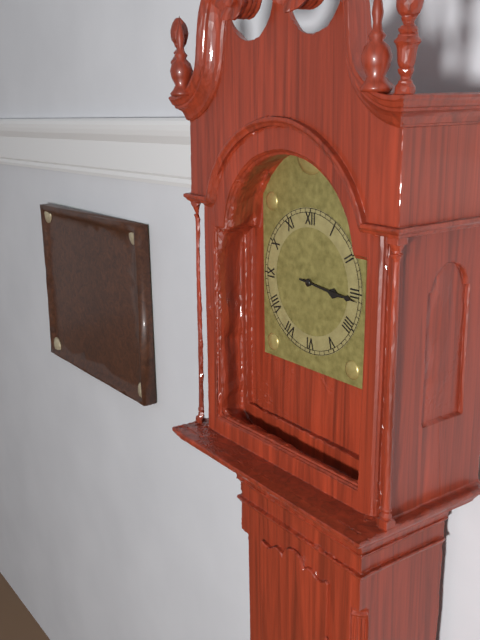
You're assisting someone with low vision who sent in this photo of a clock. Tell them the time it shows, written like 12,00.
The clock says 3,16
